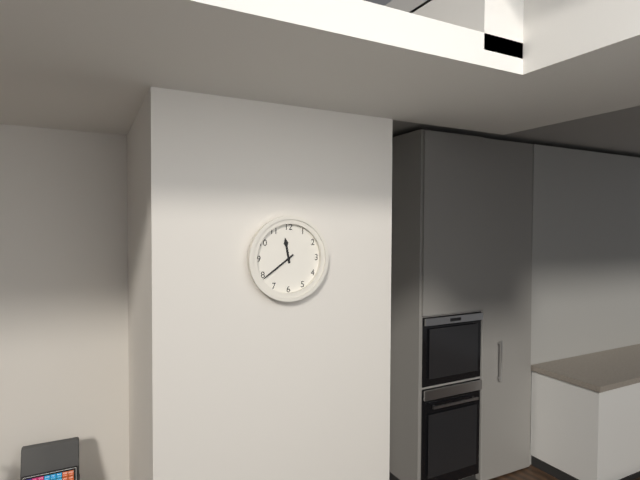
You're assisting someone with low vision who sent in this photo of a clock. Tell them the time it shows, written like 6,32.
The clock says 11,39
